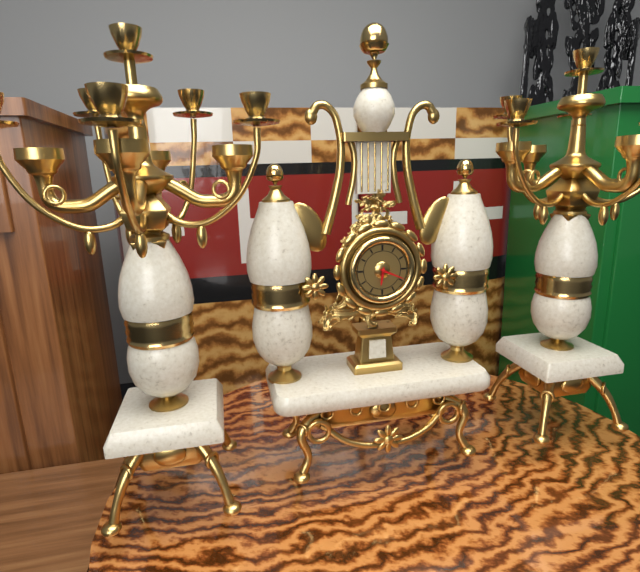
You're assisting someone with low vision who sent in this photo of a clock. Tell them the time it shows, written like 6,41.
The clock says 6,19
